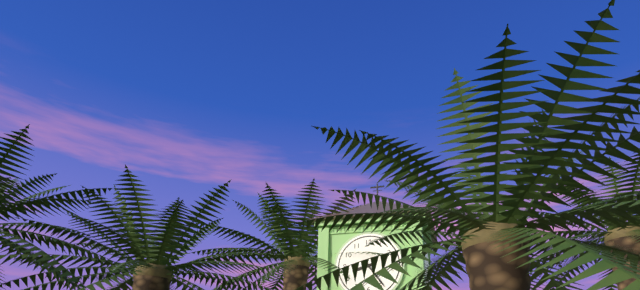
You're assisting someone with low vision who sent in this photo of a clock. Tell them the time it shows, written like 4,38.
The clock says 8,24
